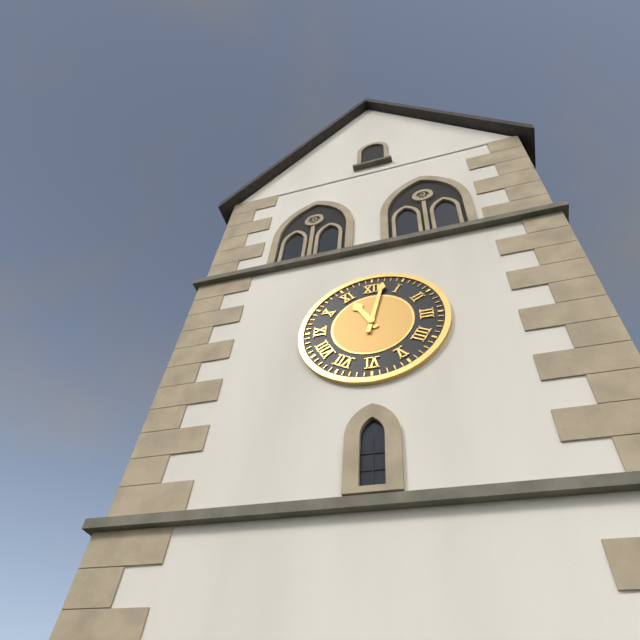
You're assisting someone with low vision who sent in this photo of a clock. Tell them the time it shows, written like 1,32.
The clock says 11,02
